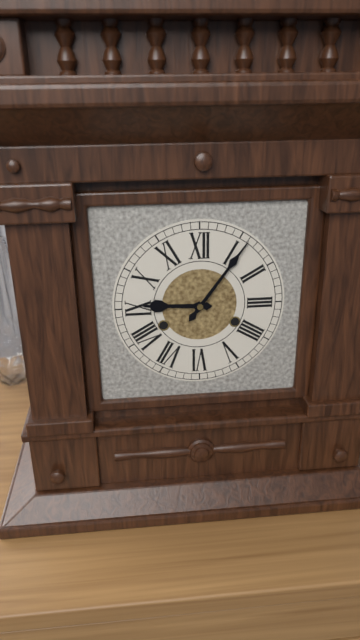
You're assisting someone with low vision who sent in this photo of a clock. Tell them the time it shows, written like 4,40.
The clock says 9,06
